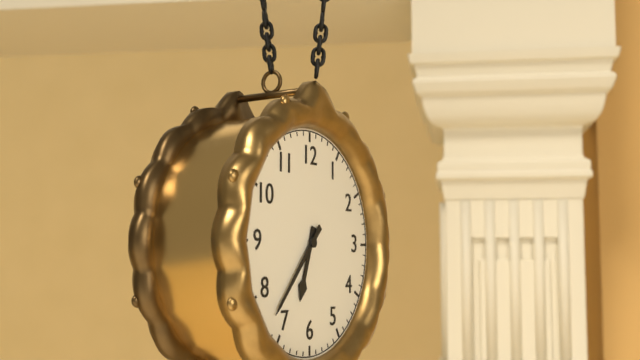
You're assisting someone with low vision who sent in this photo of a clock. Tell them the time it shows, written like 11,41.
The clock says 6,37
